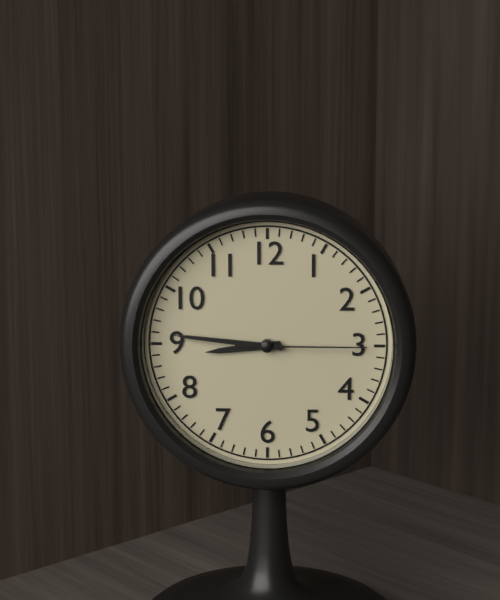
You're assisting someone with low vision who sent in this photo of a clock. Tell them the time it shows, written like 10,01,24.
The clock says 8,46,15
